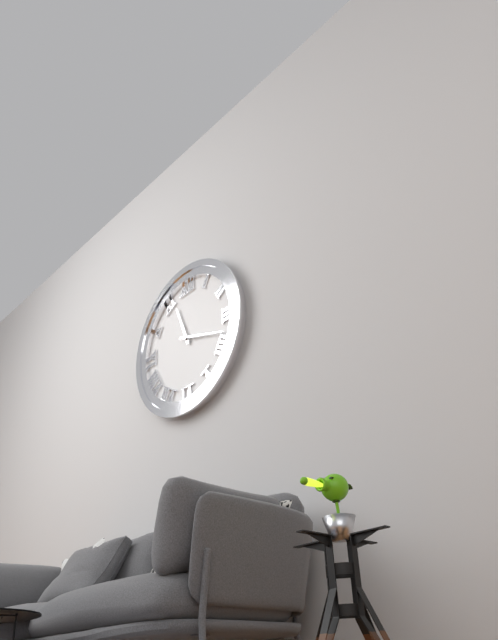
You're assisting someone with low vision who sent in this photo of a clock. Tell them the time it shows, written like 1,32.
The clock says 11,18
